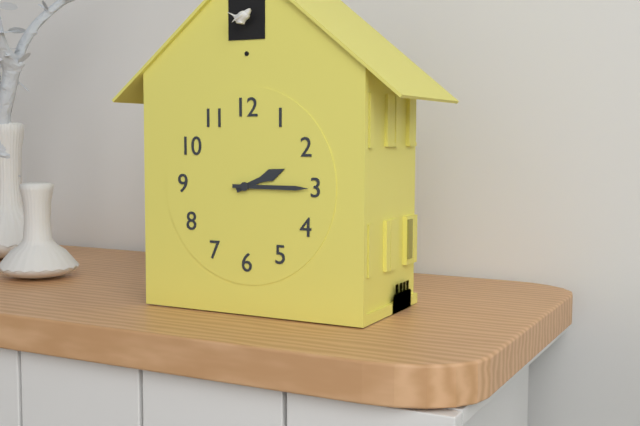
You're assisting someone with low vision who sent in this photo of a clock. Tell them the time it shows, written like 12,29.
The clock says 2,15
